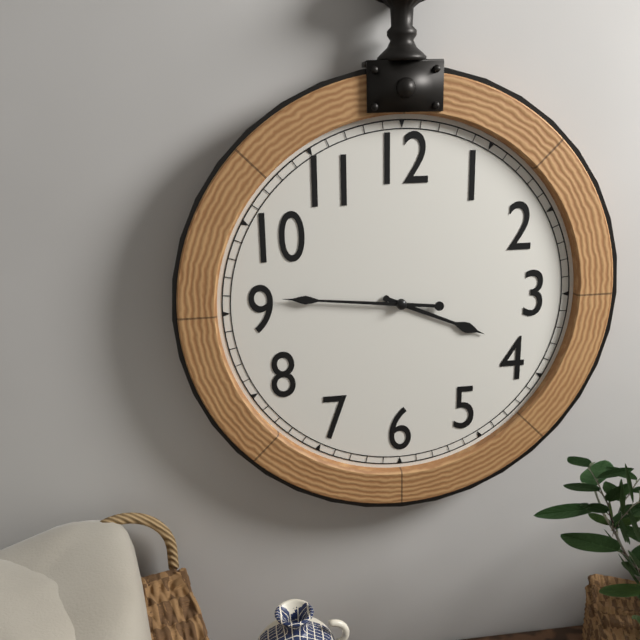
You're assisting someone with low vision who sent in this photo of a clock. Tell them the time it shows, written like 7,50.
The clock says 3,46
